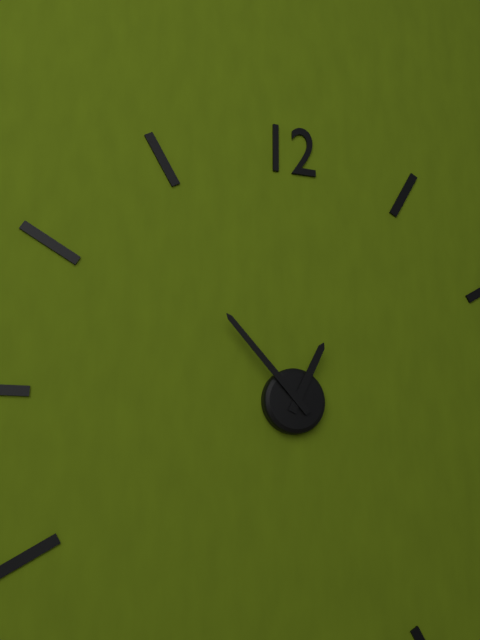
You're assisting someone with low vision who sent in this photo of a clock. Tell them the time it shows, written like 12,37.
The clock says 12,53
